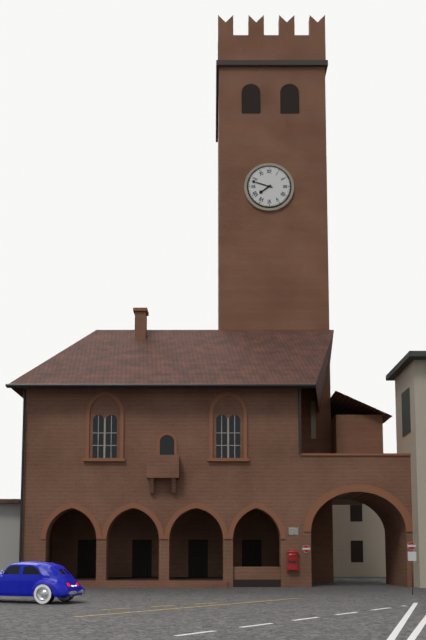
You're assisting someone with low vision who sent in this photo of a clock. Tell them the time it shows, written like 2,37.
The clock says 7,48
